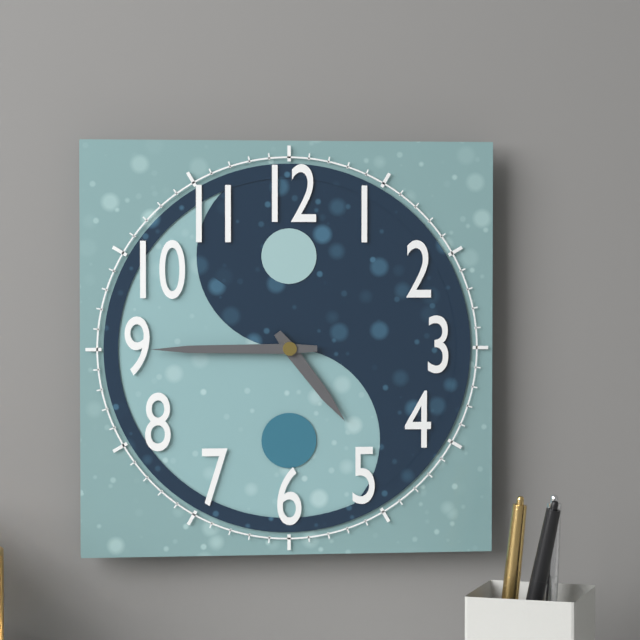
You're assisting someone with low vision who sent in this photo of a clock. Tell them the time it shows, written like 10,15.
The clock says 4,45
